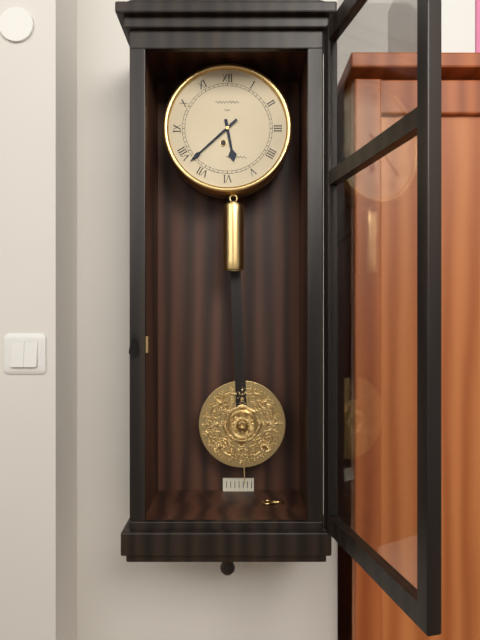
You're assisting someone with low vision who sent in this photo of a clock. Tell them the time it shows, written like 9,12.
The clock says 5,38
